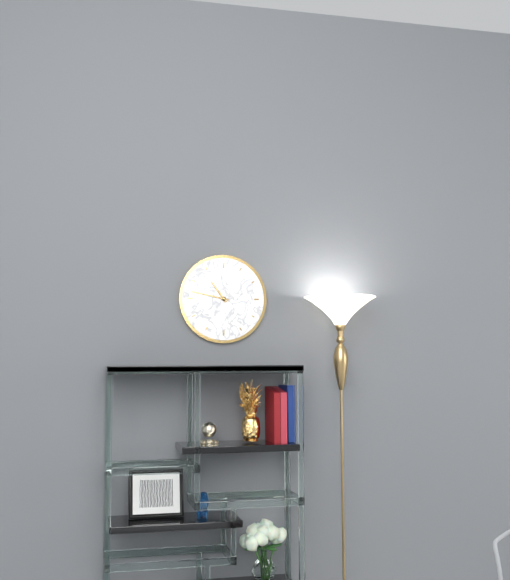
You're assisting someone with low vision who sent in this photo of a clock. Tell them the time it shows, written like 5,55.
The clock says 10,47
